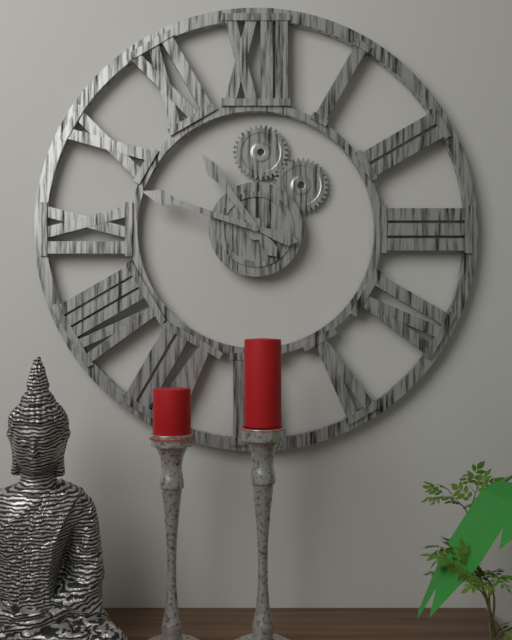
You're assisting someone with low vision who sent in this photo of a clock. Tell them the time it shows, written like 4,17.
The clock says 10,48
